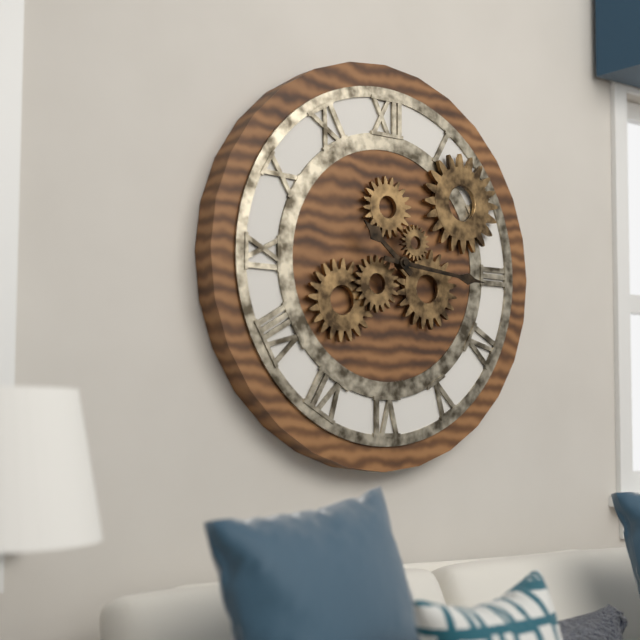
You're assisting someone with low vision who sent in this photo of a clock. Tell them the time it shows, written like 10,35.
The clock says 10,16
